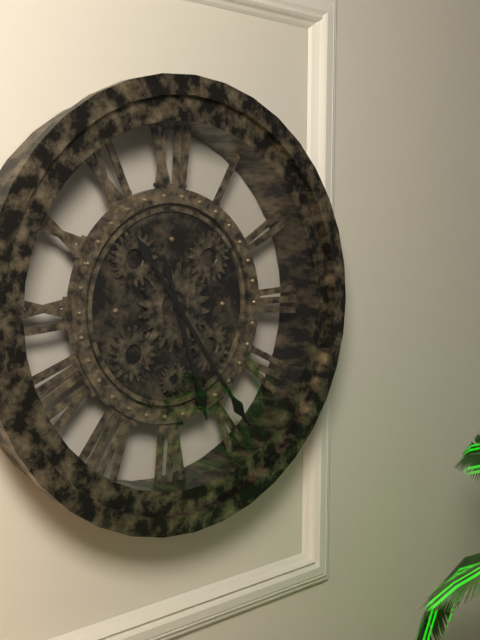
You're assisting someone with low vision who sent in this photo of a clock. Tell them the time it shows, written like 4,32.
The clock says 5,24
